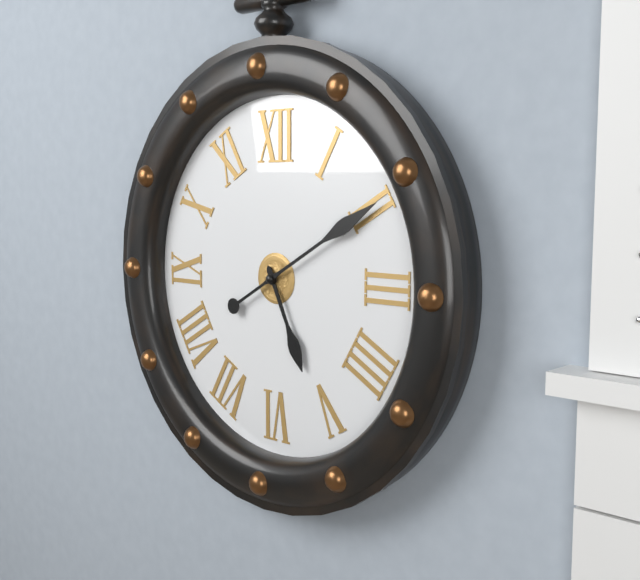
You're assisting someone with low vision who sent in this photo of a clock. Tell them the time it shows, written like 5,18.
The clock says 5,10
